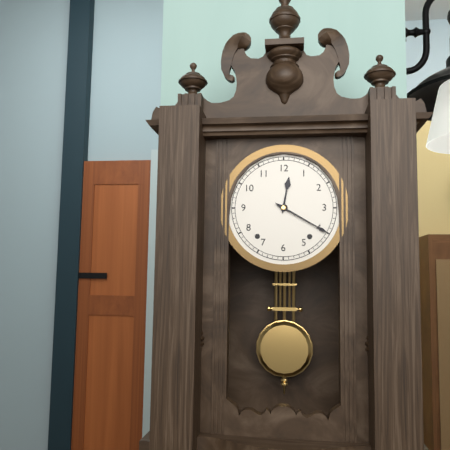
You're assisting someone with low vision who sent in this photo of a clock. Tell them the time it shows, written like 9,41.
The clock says 12,20
